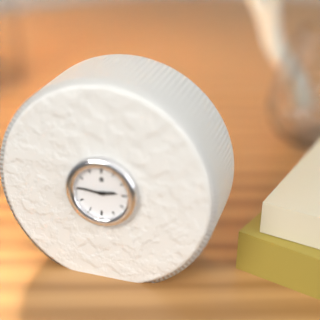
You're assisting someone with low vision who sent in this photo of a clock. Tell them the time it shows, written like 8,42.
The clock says 2,46
